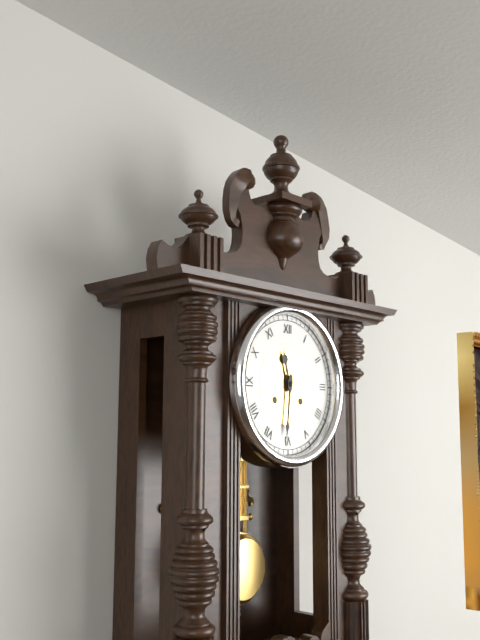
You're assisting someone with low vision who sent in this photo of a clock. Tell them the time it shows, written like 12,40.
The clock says 11,31
